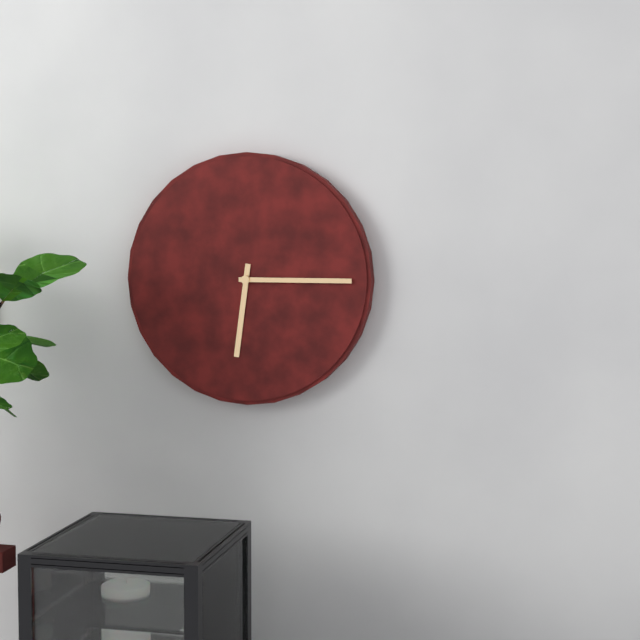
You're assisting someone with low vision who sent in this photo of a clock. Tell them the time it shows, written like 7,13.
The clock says 6,15
